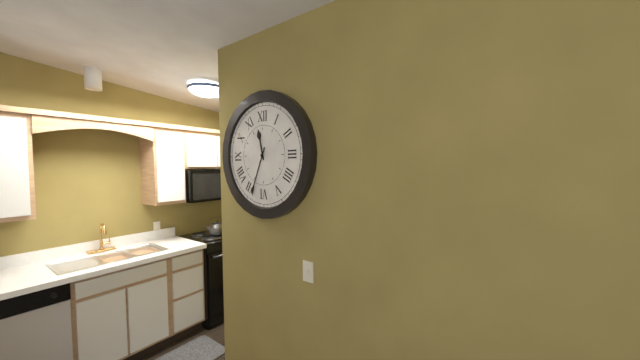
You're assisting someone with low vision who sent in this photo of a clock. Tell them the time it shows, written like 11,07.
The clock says 11,34
